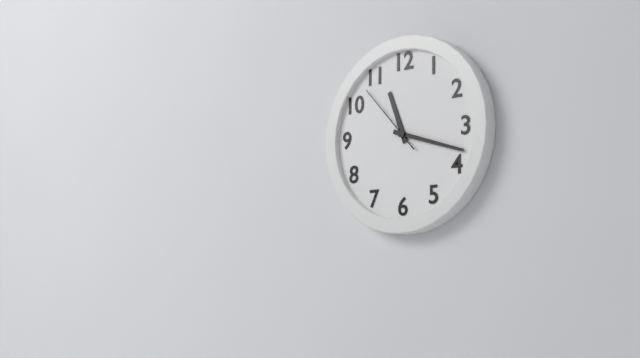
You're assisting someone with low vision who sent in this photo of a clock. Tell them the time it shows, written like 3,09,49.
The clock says 11,18,53
